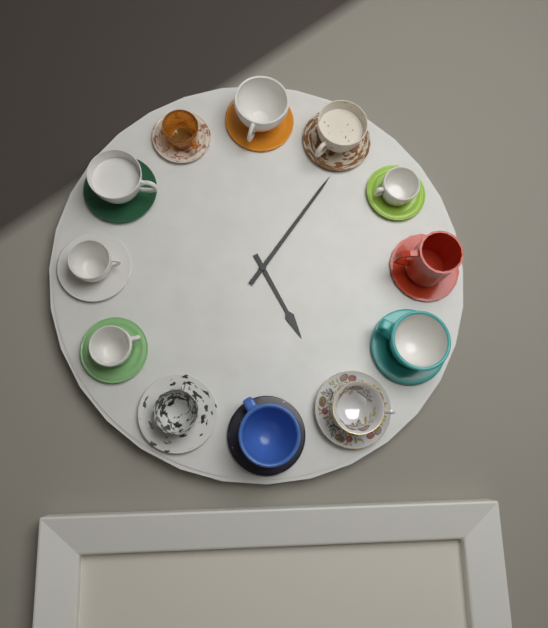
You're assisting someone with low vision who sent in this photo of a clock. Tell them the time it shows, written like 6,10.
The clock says 5,06
